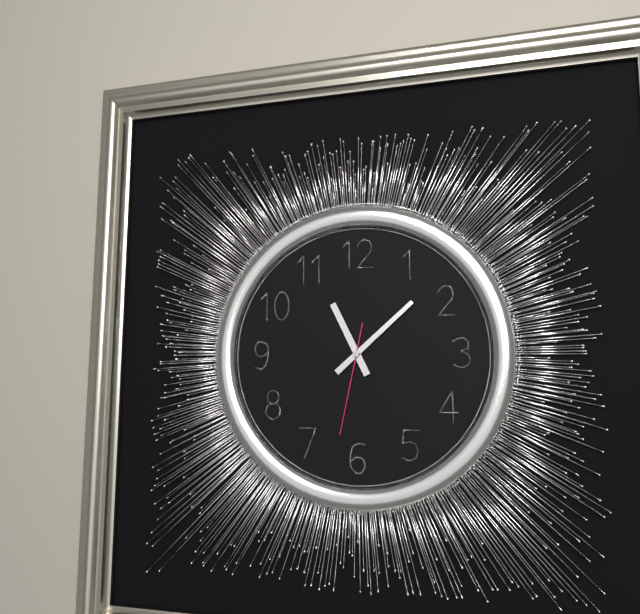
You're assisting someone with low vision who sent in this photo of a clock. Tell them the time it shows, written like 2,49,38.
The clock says 11,08,32
